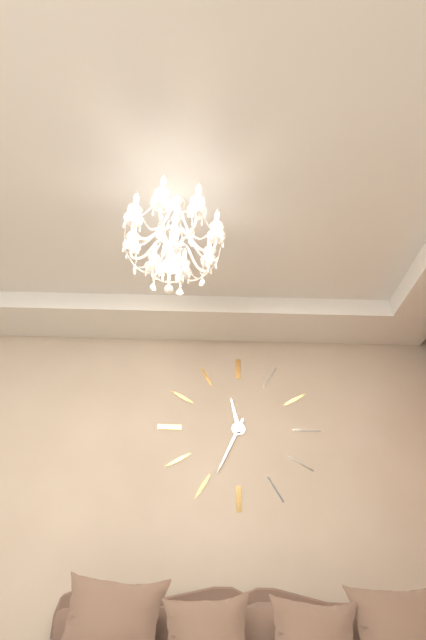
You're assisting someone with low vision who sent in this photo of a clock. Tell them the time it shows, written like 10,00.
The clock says 11,34
